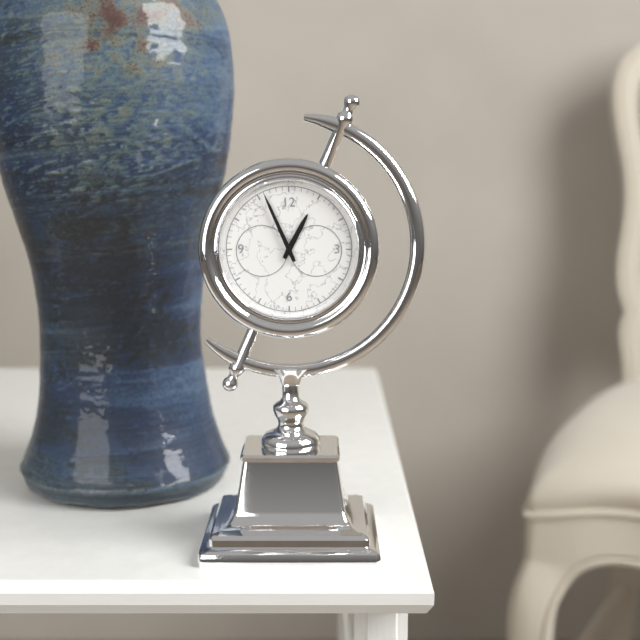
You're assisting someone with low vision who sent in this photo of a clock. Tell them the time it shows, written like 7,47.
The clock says 12,56
